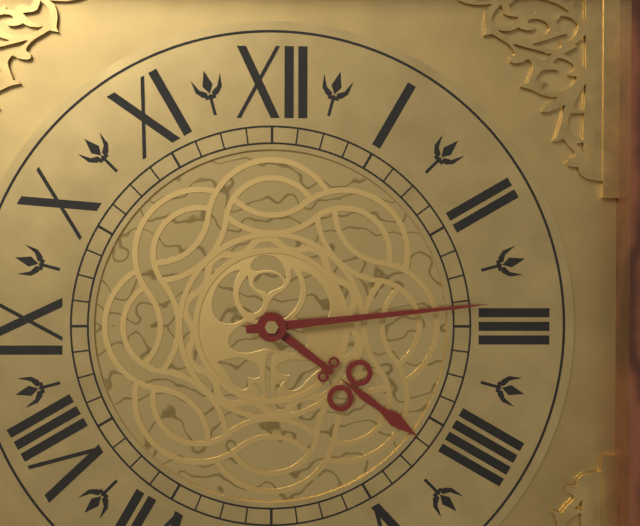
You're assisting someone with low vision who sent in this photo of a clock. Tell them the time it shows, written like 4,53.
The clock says 4,14
